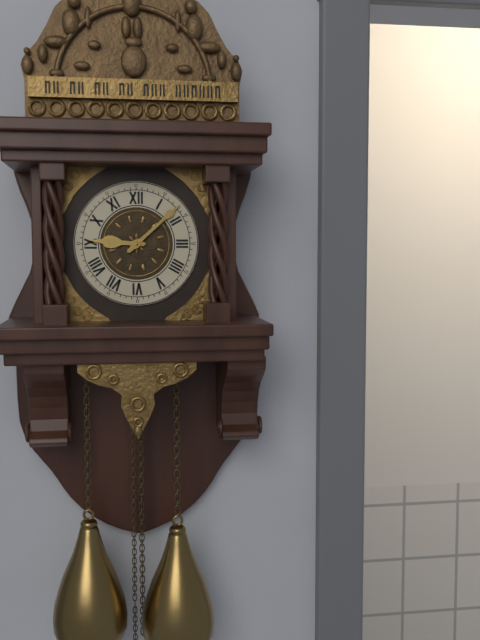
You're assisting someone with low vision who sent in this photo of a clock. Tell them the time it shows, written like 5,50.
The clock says 9,08
